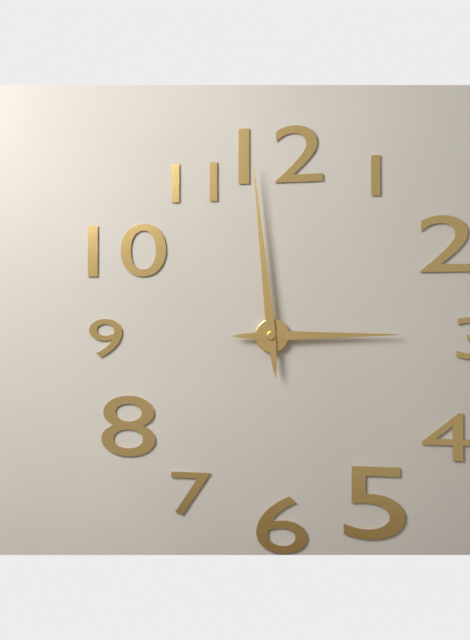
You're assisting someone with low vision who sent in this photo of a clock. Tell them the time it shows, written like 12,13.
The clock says 2,59
